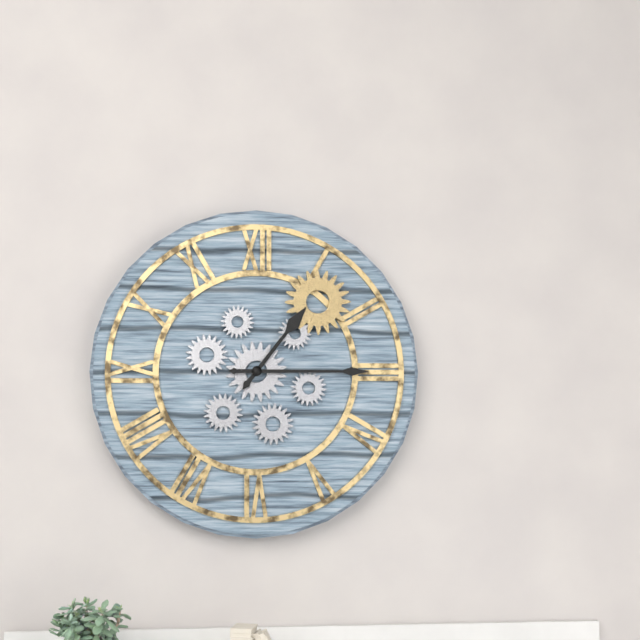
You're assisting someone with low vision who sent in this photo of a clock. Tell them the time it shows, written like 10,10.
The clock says 1,15
